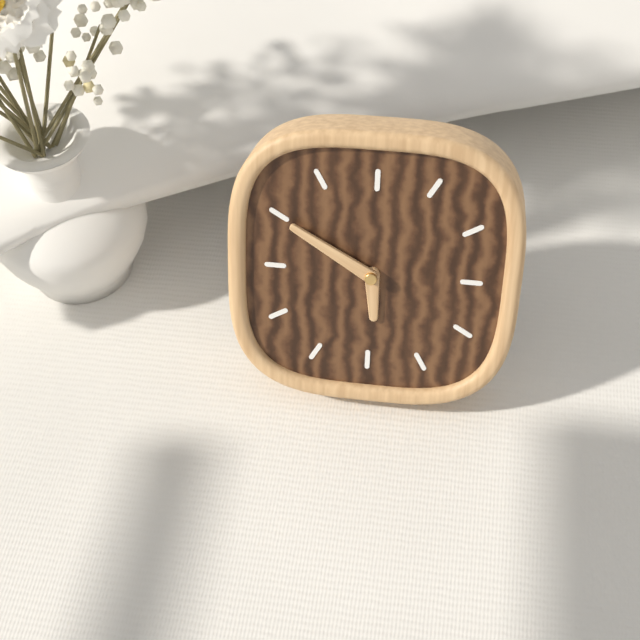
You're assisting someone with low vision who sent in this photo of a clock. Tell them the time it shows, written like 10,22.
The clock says 5,50
